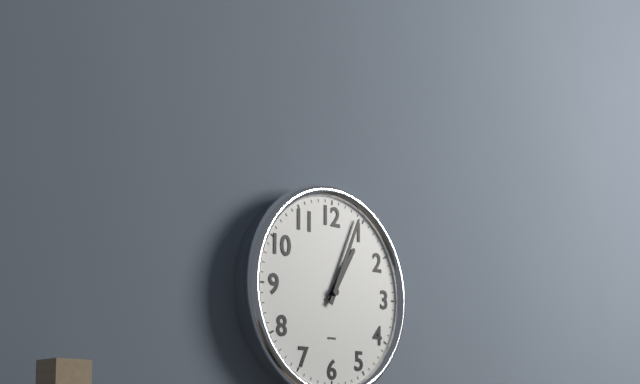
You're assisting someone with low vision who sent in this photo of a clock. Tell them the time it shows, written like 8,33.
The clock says 1,04
